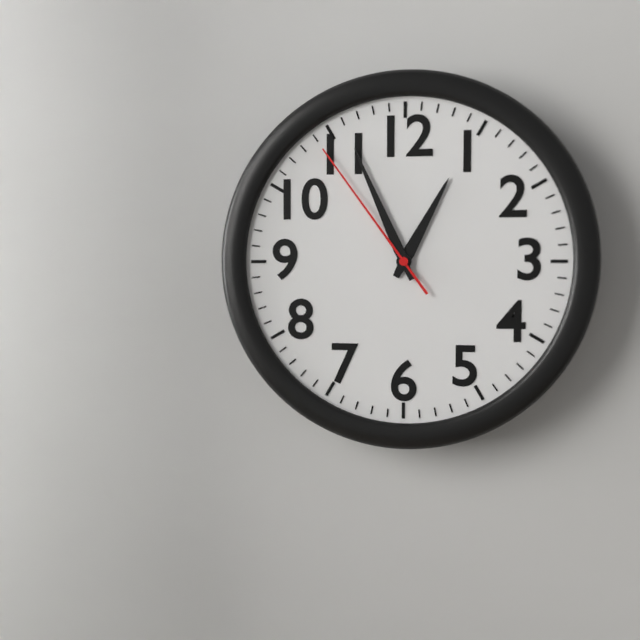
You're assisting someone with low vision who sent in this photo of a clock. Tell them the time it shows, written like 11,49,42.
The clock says 12,56,54
